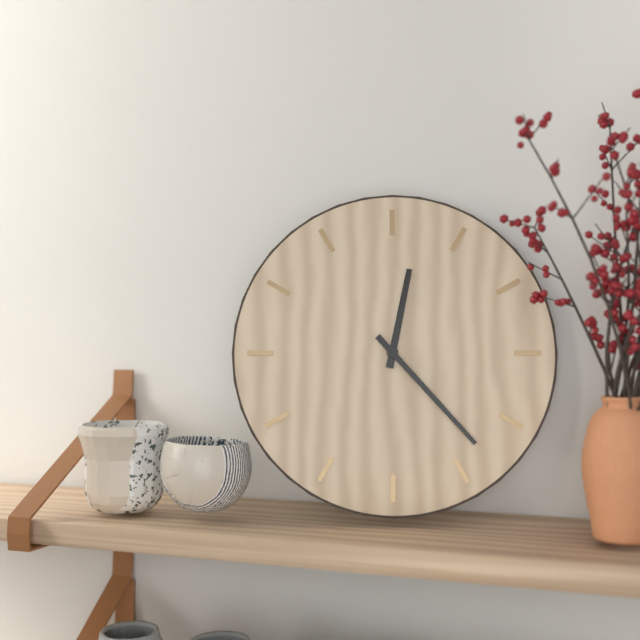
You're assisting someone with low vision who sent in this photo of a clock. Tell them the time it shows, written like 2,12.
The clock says 12,23
